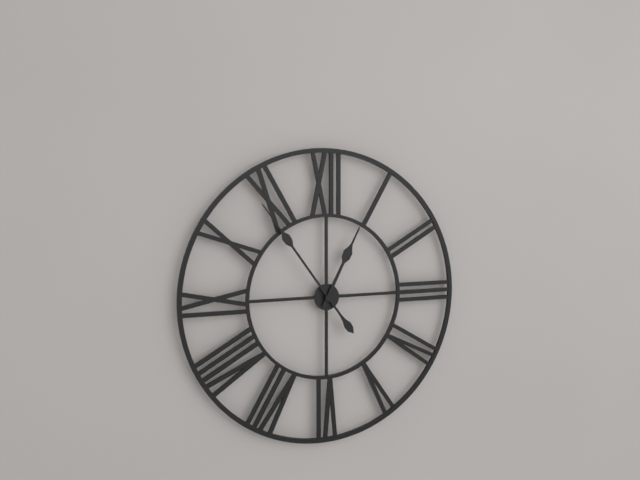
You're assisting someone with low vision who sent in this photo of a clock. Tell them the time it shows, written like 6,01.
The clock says 12,54
